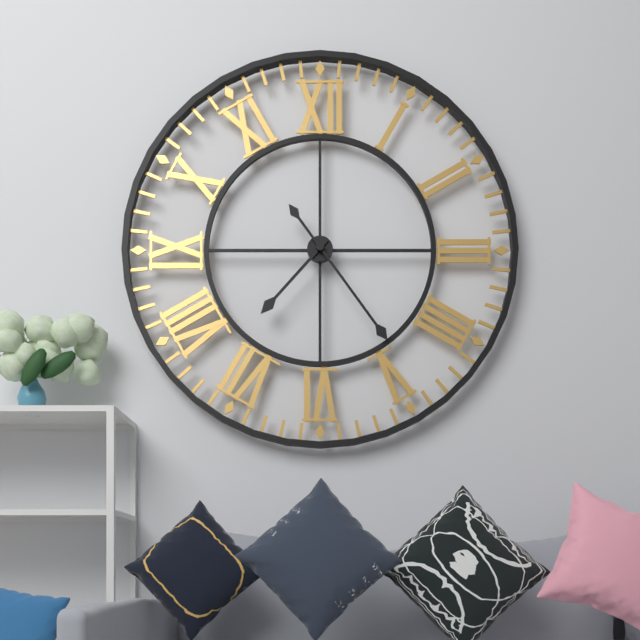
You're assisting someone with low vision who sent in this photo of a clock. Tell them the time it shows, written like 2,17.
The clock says 7,24
